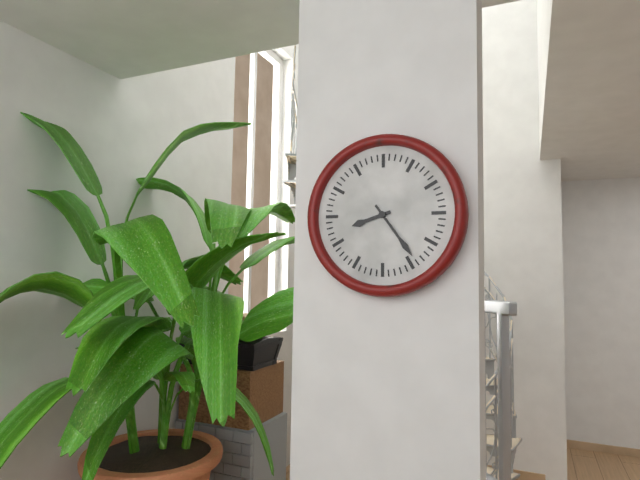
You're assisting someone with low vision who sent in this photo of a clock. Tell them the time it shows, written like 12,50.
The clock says 8,24
